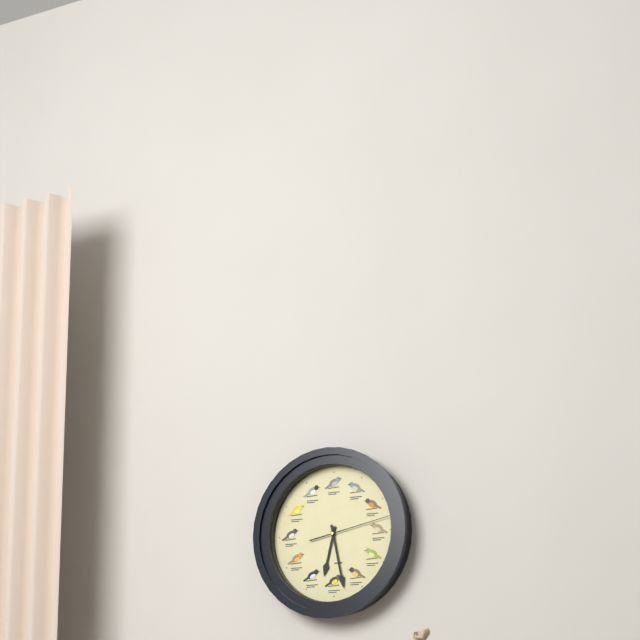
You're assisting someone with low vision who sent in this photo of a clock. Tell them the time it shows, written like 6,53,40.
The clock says 6,28,13
